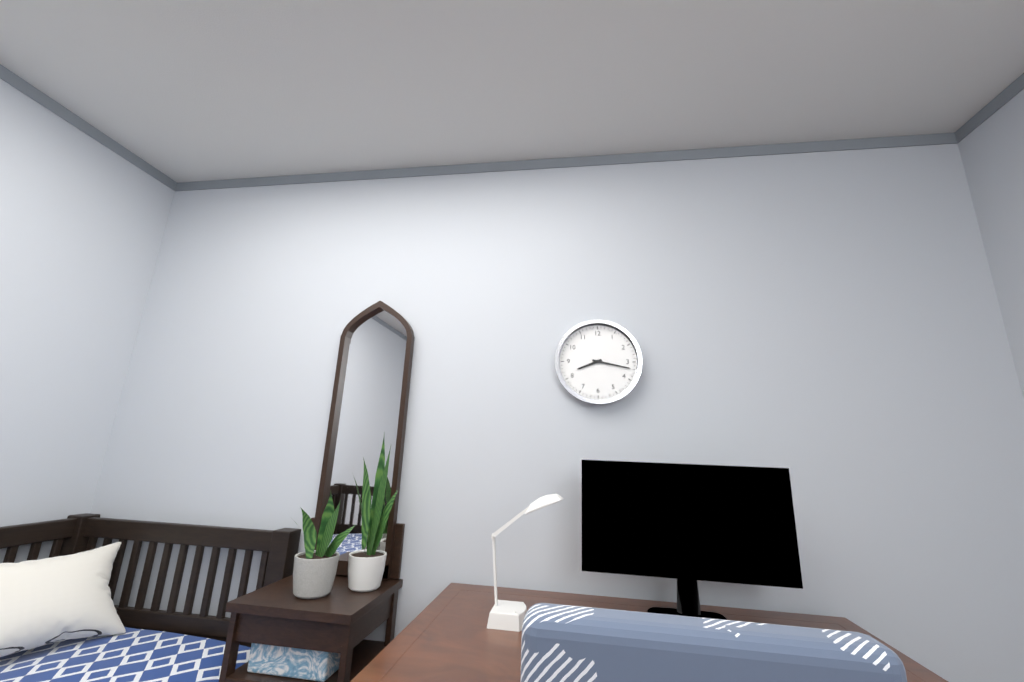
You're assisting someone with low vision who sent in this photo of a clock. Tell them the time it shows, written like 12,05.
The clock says 8,17
